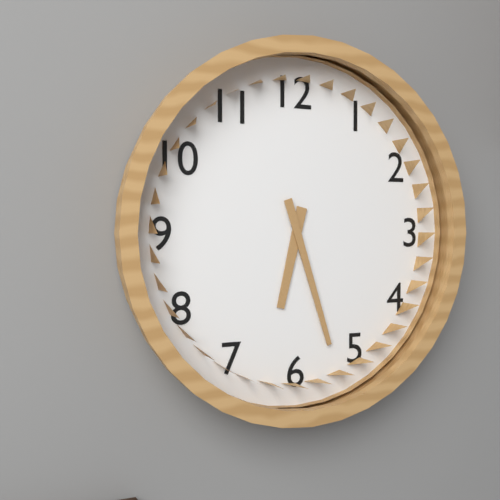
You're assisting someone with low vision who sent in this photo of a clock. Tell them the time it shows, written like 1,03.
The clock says 6,27
